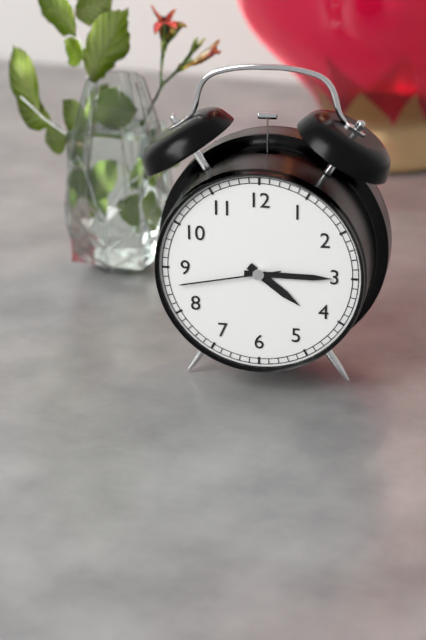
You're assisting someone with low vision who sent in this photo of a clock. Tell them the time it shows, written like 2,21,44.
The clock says 4,15,43
